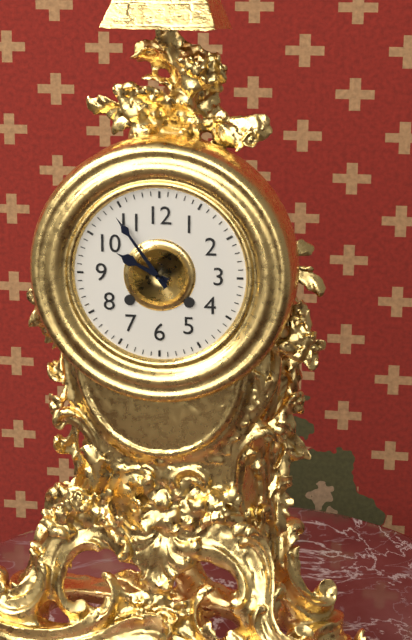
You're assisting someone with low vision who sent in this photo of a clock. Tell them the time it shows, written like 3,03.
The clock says 9,54
